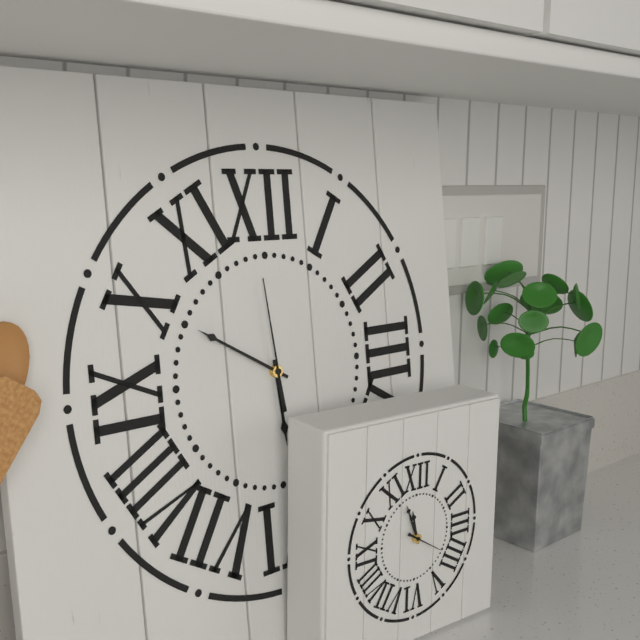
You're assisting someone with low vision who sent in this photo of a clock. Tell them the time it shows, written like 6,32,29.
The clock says 5,50,59
